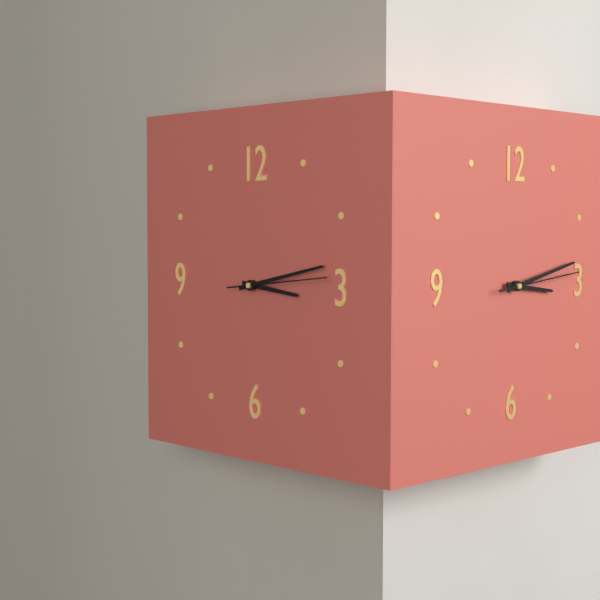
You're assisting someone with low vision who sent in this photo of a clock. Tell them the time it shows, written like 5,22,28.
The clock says 3,13,14
